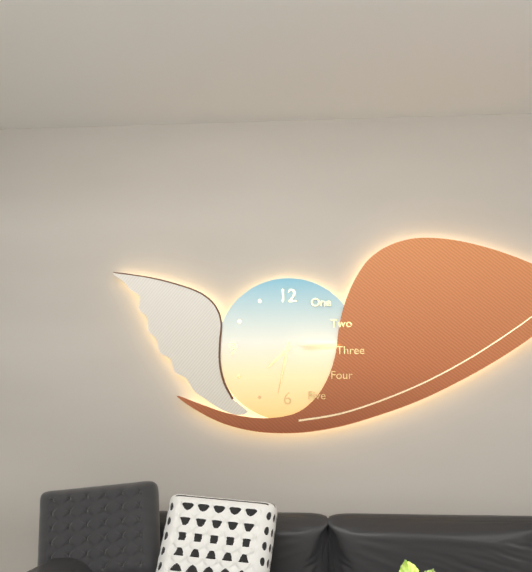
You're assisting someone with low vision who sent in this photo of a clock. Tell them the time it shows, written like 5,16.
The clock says 7,32
